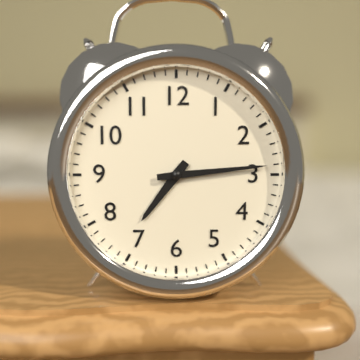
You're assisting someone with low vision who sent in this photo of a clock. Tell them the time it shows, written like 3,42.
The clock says 7,14
